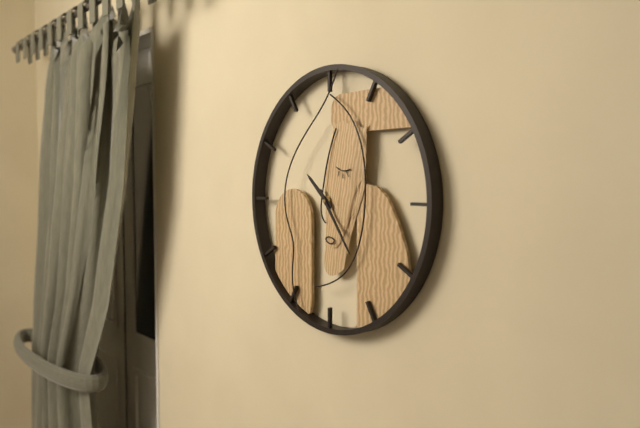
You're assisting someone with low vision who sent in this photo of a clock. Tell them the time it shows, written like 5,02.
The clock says 10,24
